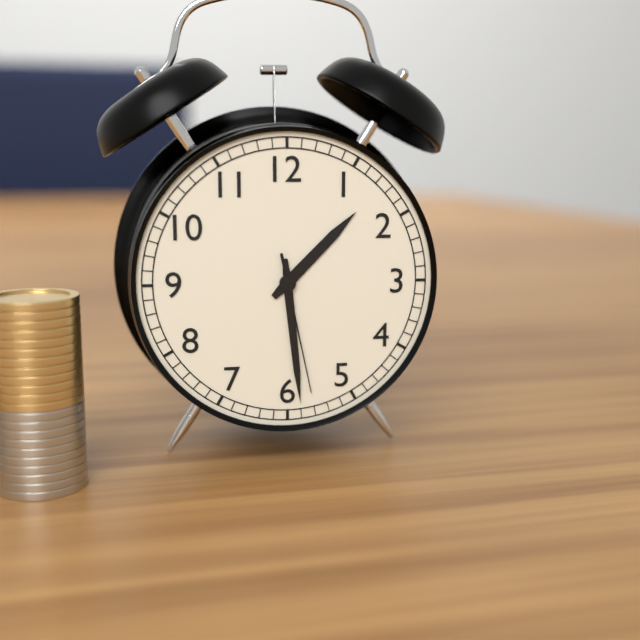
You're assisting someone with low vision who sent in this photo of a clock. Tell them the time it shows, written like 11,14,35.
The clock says 1,29,28
